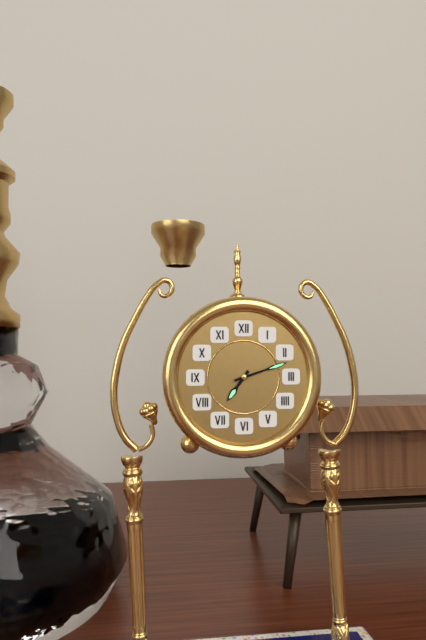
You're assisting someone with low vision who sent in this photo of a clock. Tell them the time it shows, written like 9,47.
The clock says 7,12
